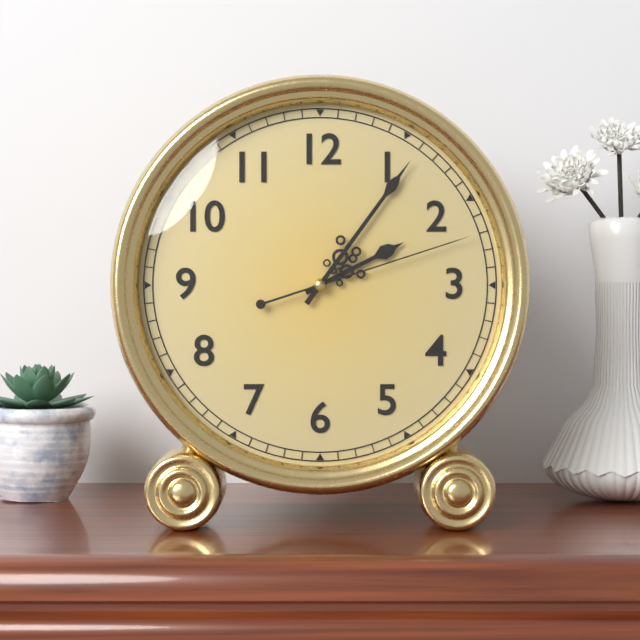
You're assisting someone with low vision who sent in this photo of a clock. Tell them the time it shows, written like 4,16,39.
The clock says 2,06,12
